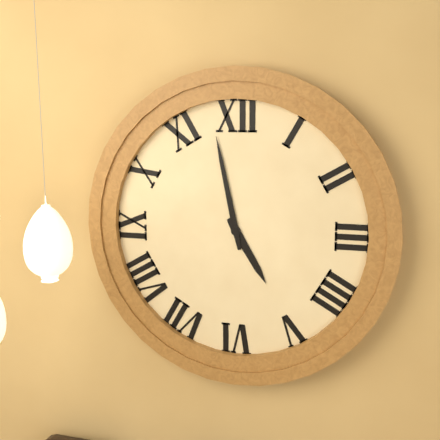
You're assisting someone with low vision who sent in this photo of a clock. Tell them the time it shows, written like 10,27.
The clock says 4,58
